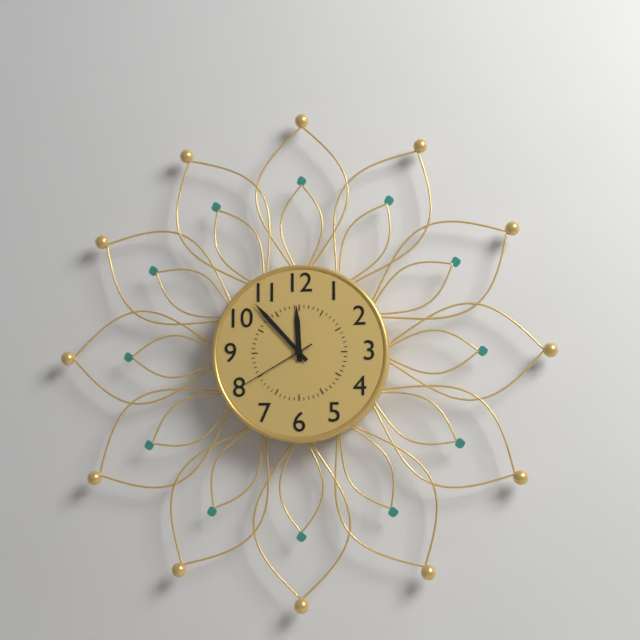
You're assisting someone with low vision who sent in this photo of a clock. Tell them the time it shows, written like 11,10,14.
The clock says 11,53,40
